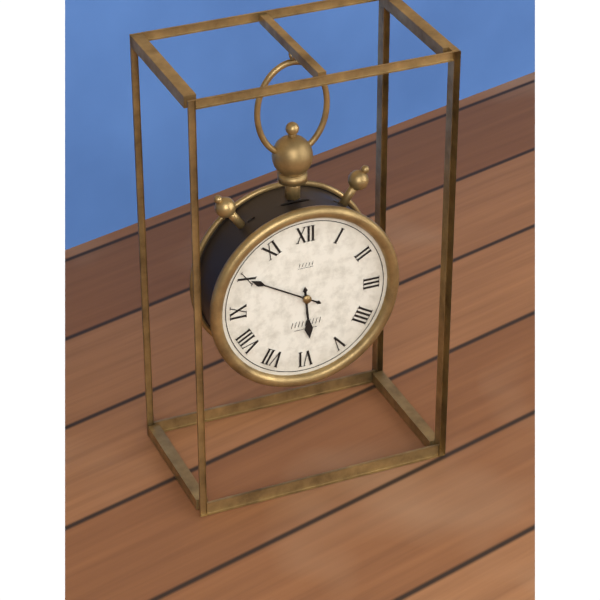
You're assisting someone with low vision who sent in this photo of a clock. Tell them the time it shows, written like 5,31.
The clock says 5,50
